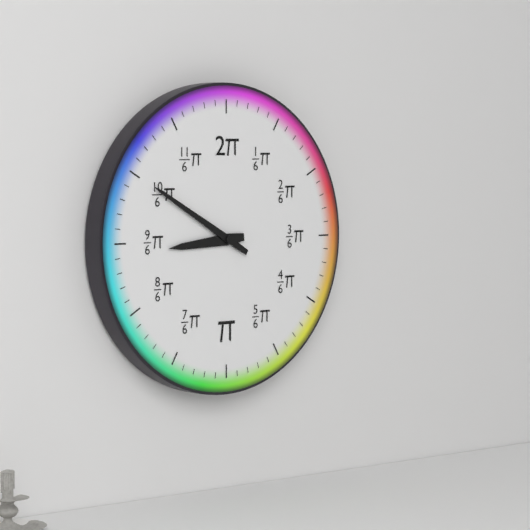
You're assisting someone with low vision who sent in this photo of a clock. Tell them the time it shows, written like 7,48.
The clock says 8,50
